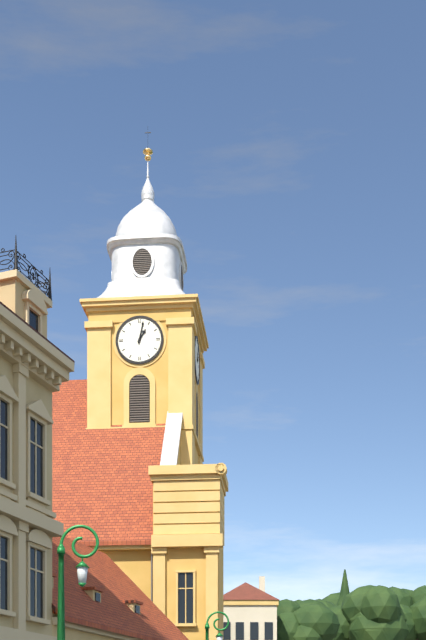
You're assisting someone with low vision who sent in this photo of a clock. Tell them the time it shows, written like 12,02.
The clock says 1,02
